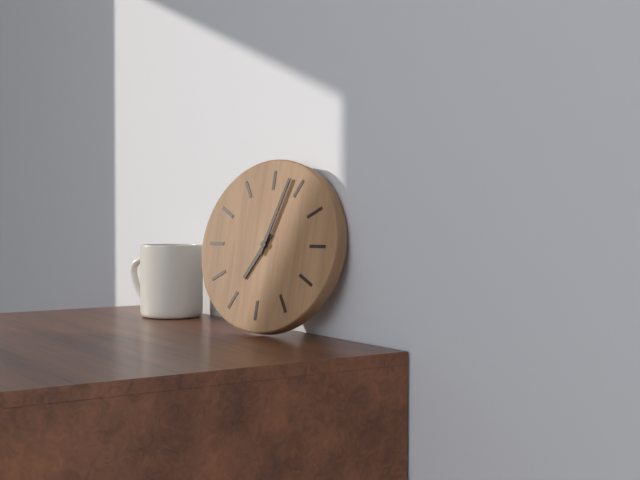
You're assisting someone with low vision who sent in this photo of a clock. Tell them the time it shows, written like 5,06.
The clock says 7,03
